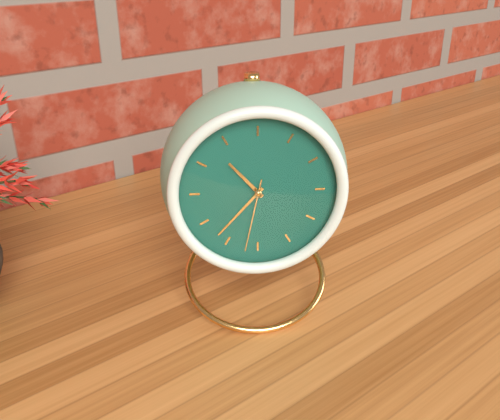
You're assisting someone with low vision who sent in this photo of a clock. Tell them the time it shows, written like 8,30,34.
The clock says 10,37,32
